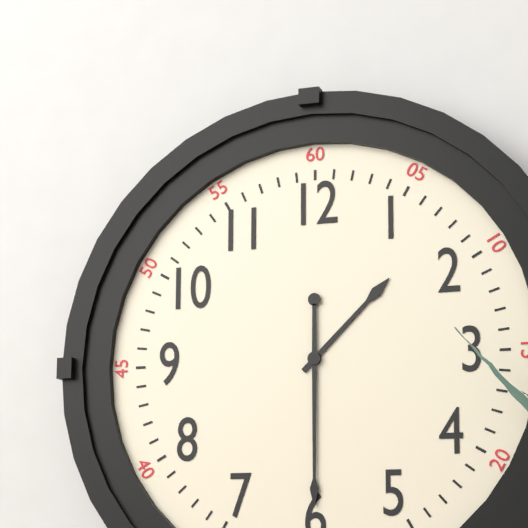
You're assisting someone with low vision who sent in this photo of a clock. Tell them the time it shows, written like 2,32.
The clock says 1,30
